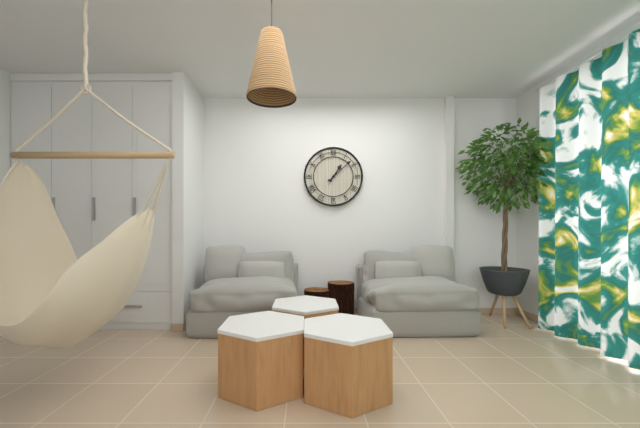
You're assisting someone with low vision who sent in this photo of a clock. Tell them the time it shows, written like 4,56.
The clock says 1,08
